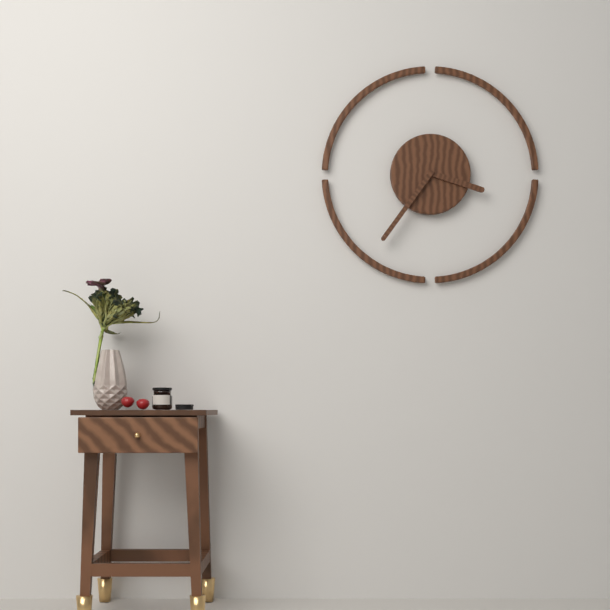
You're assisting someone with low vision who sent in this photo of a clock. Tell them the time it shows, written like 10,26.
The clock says 3,36
